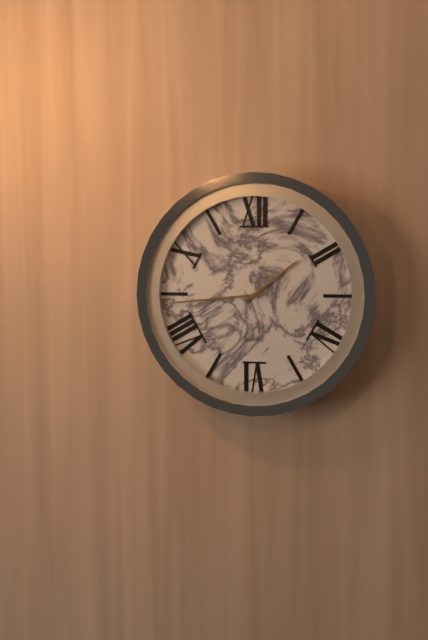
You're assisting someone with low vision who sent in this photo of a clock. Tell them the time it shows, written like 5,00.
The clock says 1,44
